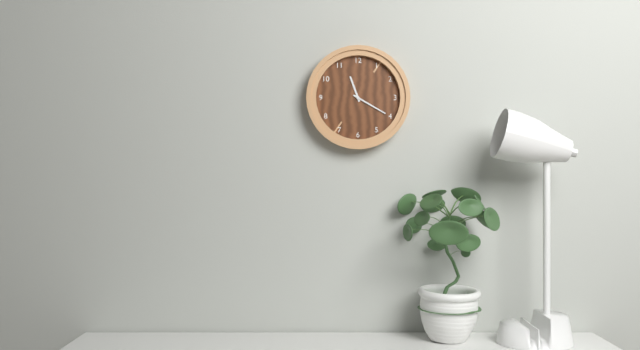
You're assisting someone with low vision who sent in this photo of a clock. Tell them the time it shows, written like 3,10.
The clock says 11,20
